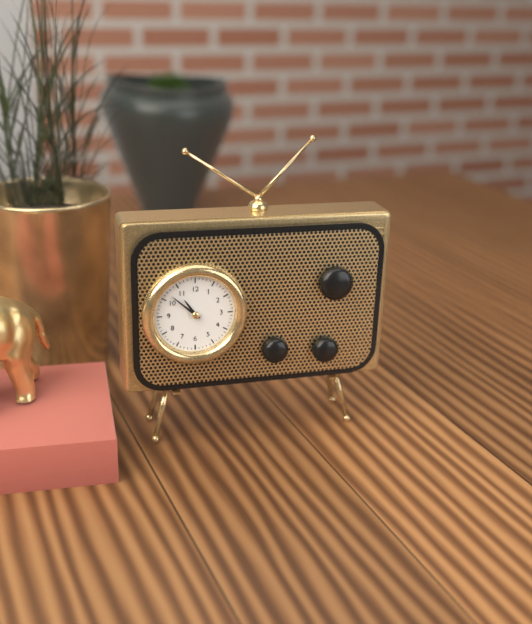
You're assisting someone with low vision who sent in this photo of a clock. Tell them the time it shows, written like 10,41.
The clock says 10,52
